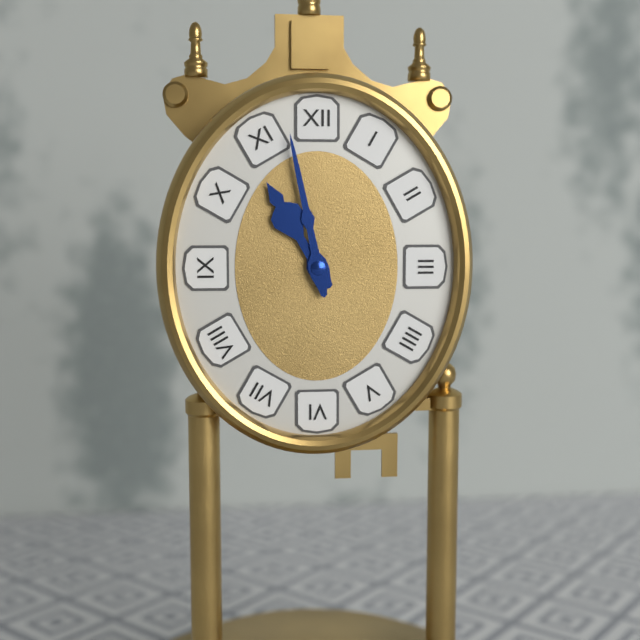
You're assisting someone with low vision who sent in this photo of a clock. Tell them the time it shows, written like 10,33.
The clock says 10,58
